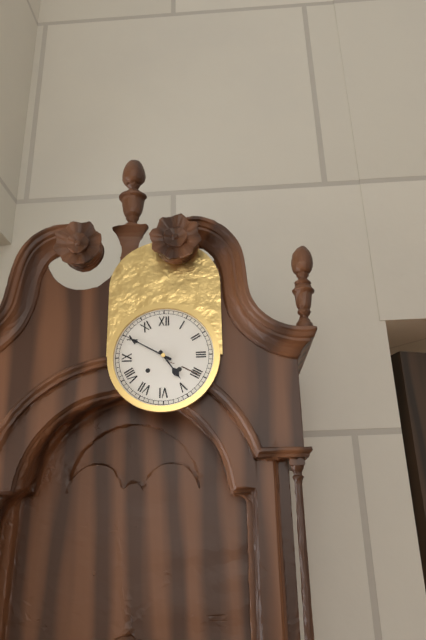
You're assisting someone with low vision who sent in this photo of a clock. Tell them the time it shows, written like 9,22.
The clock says 4,50
